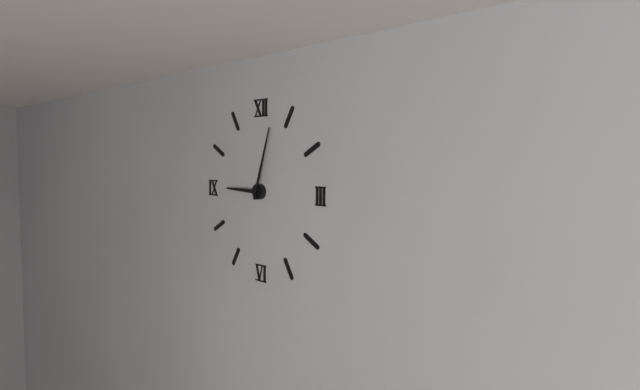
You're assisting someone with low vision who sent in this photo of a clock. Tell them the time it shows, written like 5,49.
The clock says 9,03
